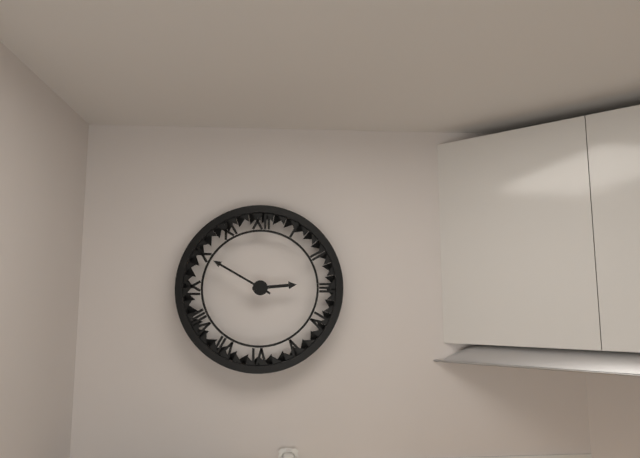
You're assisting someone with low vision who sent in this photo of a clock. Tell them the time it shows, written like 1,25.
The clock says 2,50
